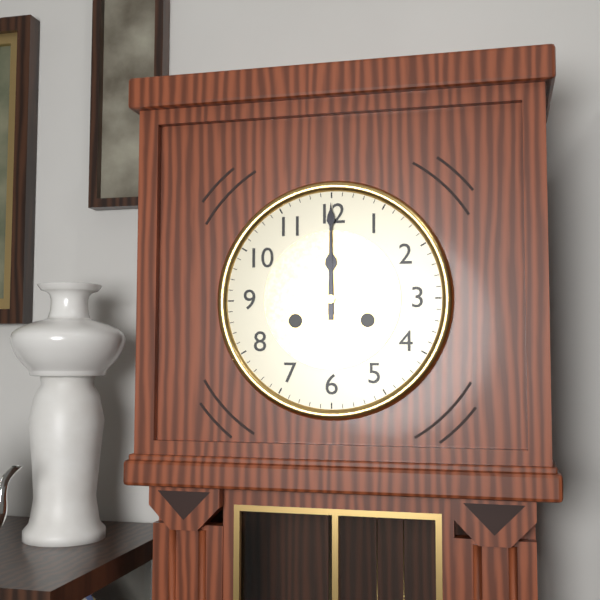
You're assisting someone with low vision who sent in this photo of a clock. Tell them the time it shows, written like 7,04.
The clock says 12,00
